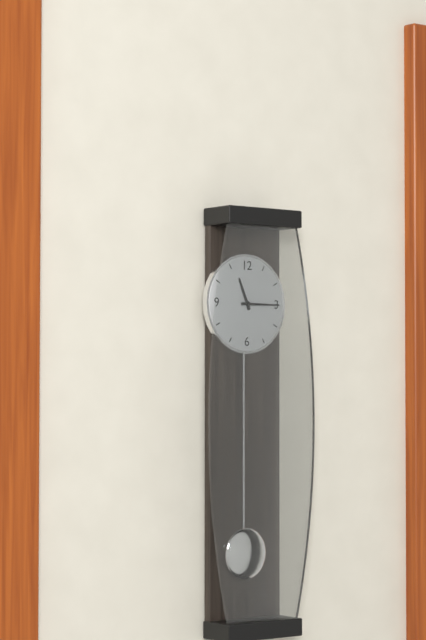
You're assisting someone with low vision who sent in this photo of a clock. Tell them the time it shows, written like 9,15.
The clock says 11,15
